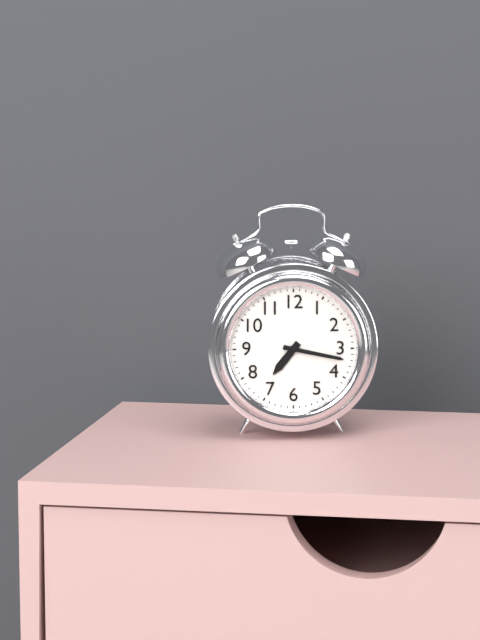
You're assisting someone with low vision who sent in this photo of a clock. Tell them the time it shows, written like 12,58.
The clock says 7,17
